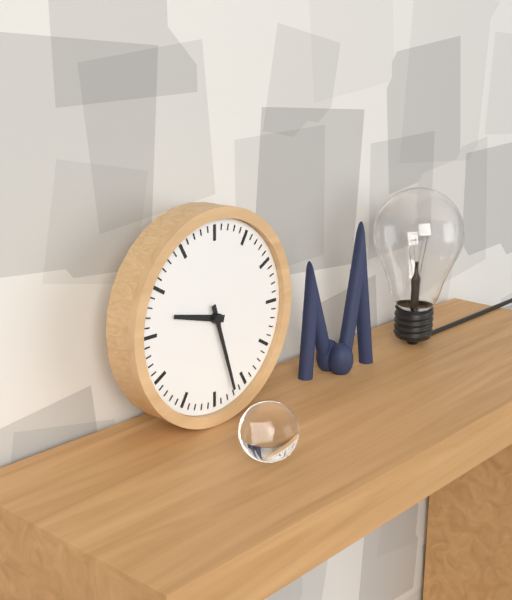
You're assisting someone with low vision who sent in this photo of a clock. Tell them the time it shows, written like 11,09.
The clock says 9,27
